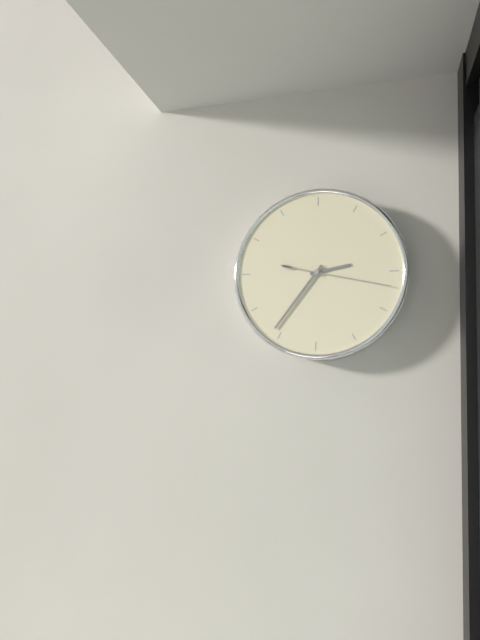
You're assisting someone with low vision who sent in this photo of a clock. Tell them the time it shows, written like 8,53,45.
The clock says 2,36,17
